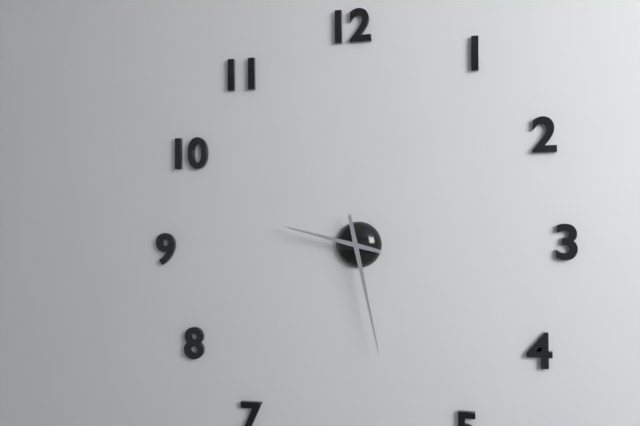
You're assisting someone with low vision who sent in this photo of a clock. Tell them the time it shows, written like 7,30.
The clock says 9,28
